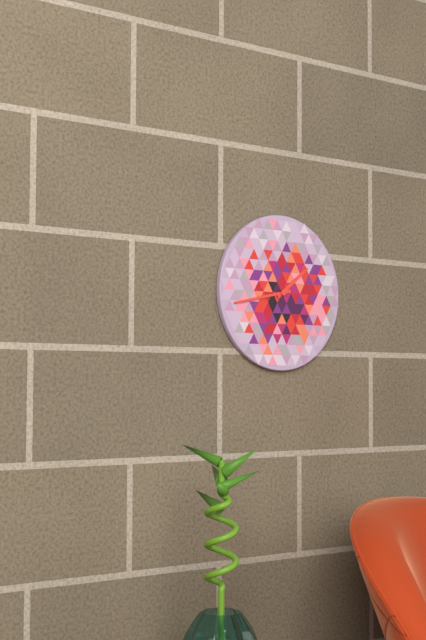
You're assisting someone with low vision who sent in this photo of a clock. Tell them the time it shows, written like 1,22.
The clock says 1,43
